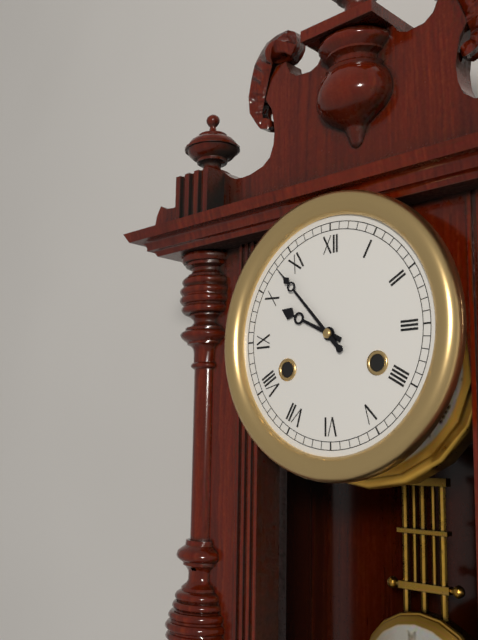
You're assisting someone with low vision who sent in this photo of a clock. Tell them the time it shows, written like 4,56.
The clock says 9,53
